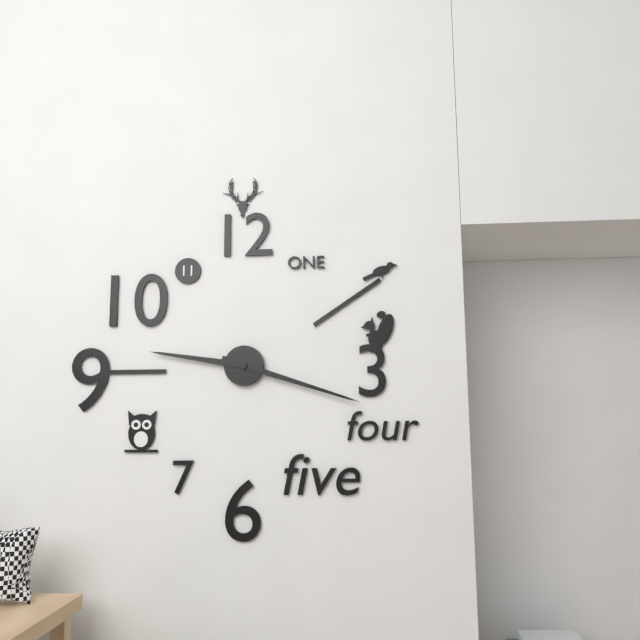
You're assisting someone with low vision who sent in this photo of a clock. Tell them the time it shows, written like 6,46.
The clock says 9,18
